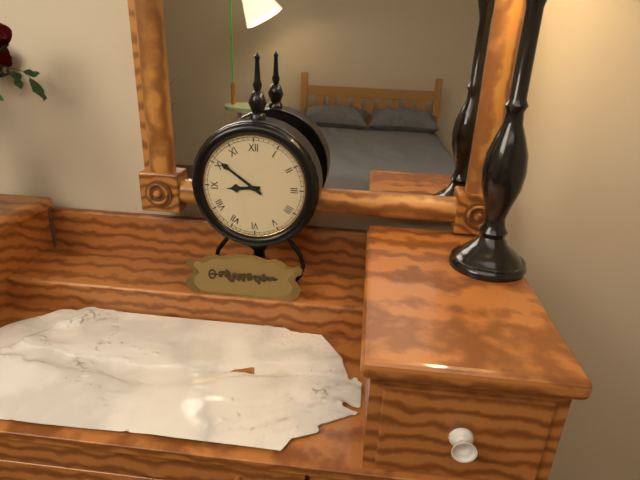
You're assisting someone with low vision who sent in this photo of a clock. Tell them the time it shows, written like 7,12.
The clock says 8,51
